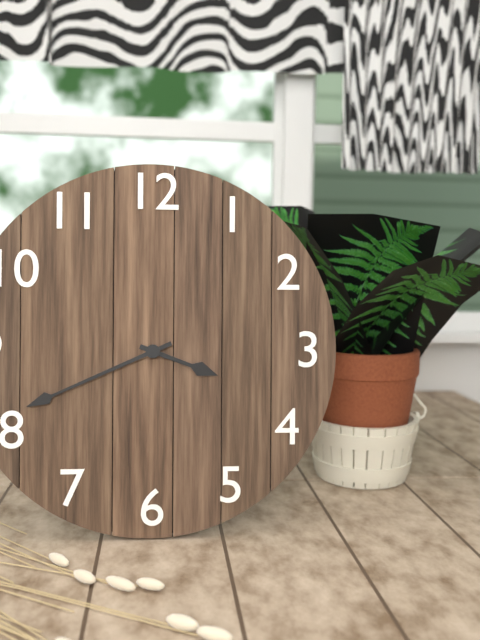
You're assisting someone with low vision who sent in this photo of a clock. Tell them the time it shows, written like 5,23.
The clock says 3,41
